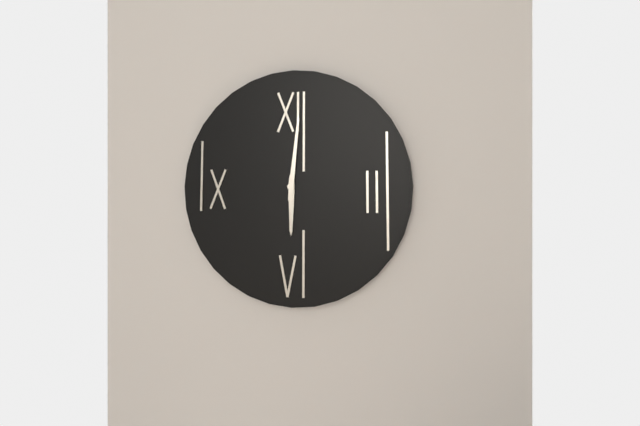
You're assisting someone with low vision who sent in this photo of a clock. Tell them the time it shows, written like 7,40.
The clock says 6,01
